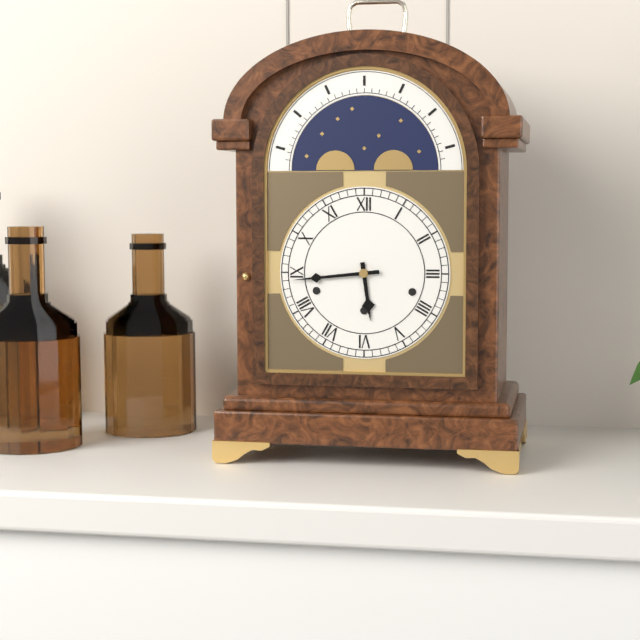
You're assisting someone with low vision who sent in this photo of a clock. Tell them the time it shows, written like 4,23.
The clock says 5,44
